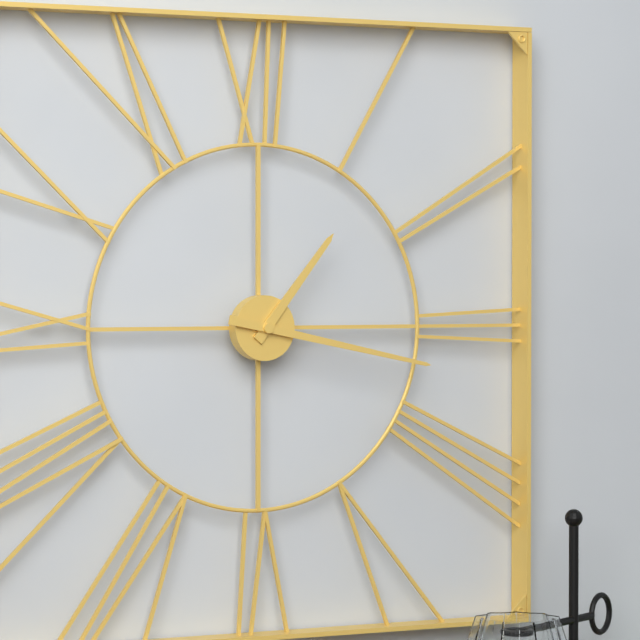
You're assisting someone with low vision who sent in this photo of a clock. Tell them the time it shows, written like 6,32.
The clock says 1,17
